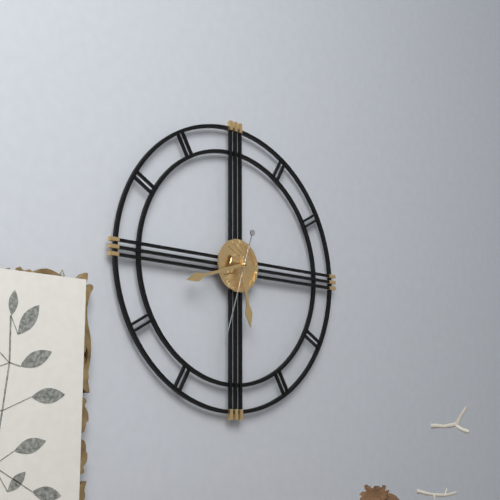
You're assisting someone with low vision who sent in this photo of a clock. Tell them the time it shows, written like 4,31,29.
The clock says 5,42,33
